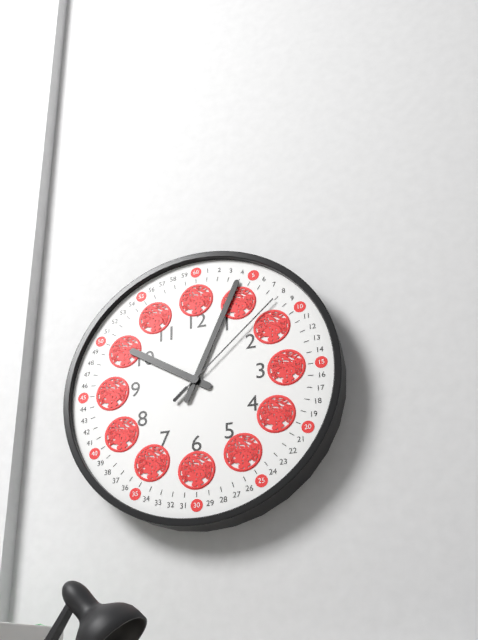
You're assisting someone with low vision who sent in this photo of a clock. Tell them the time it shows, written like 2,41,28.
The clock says 10,04,08
